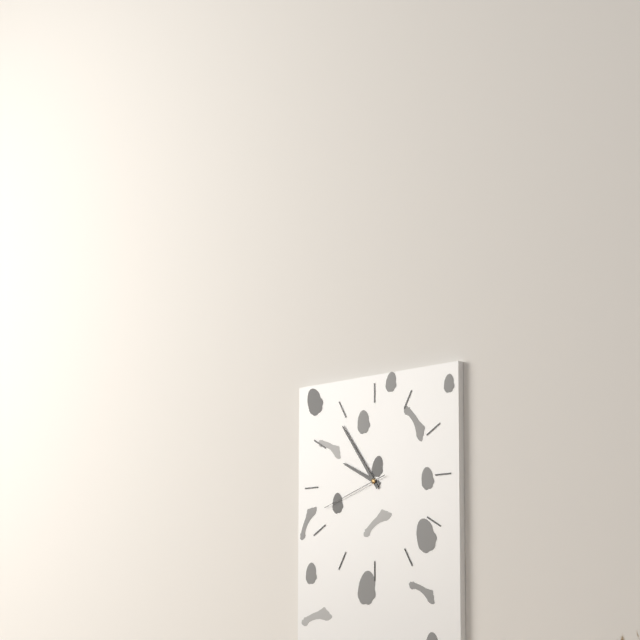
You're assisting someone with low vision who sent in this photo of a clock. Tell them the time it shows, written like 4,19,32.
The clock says 9,54,42
